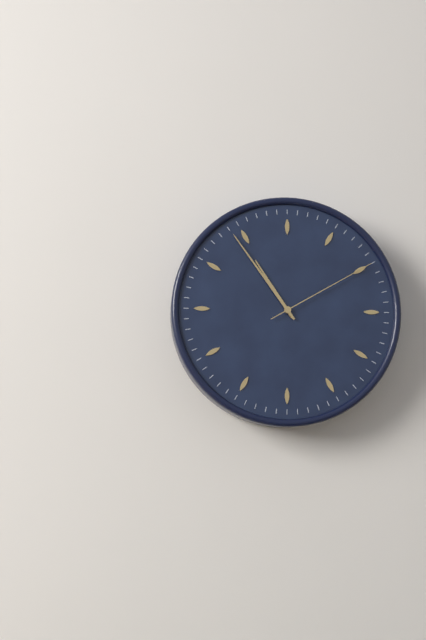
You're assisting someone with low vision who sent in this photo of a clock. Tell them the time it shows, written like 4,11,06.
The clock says 10,54,10
